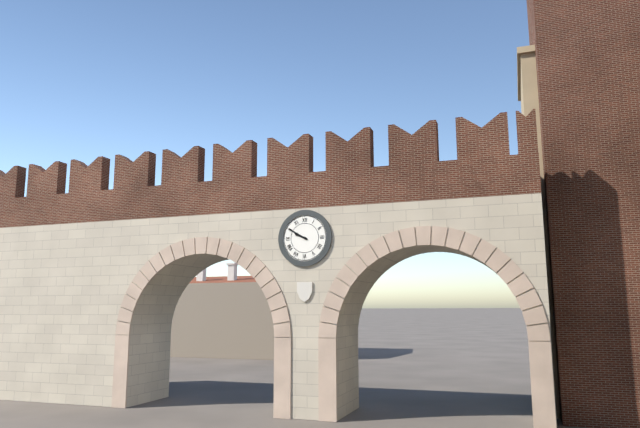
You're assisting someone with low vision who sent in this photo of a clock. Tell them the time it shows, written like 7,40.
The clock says 9,50
